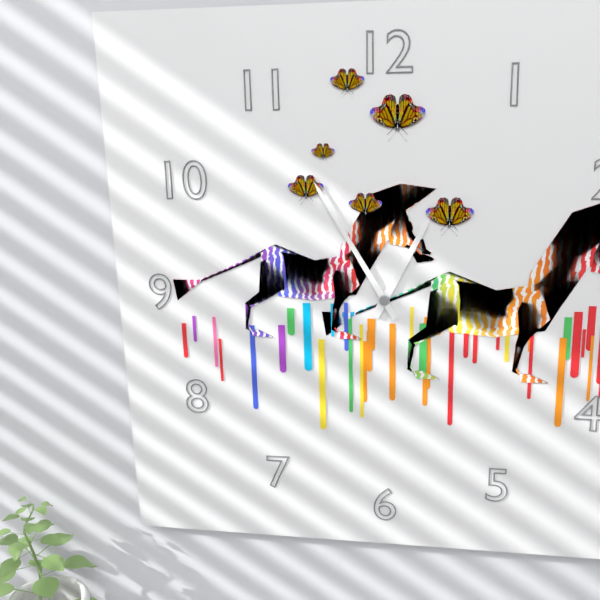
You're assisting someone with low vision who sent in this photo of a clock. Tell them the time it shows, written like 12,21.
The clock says 12,55
